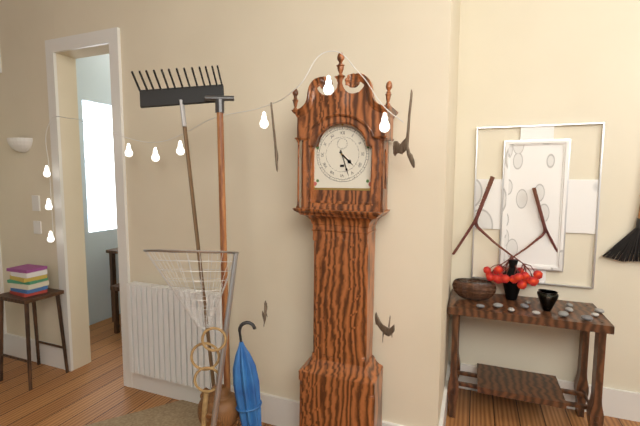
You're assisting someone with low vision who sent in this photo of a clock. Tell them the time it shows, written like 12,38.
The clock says 4,27
